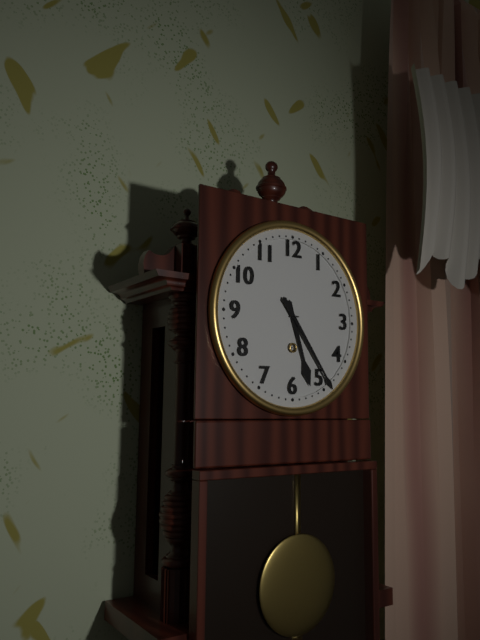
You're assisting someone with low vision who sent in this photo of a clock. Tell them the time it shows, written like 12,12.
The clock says 5,24
